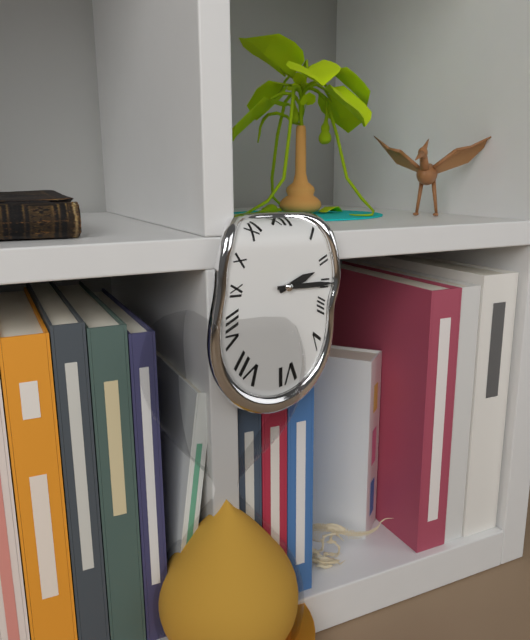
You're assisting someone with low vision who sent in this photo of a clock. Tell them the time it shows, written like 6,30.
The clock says 2,15
